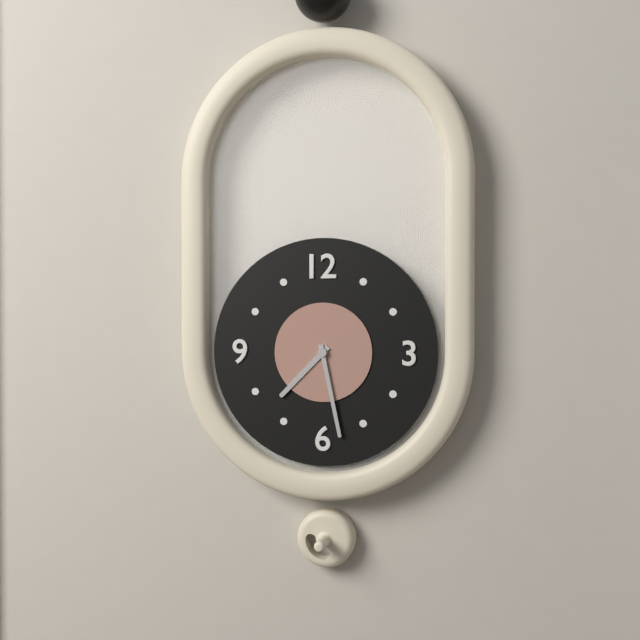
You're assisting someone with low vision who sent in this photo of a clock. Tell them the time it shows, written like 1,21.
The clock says 7,28
